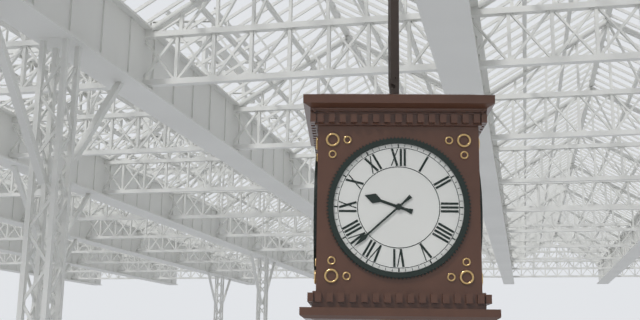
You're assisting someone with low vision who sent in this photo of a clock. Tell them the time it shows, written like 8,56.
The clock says 9,38
